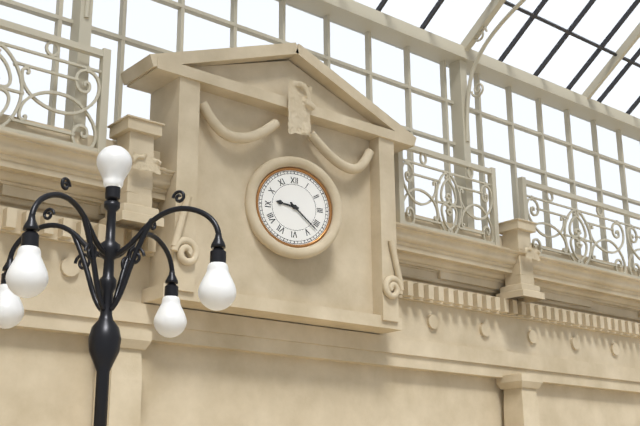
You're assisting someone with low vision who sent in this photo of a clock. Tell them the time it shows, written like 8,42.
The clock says 9,22
